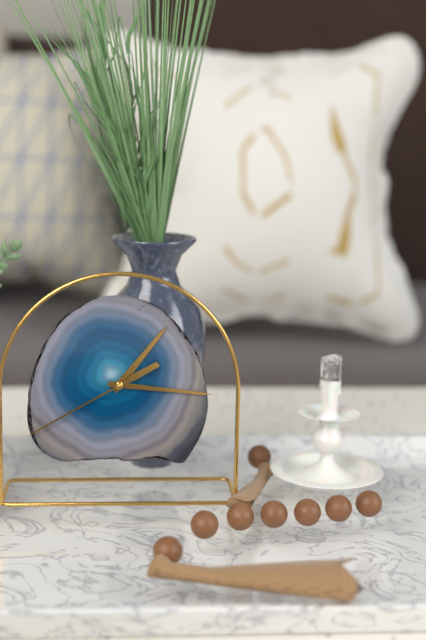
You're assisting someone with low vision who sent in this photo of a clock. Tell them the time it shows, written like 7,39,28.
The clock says 1,16,40
